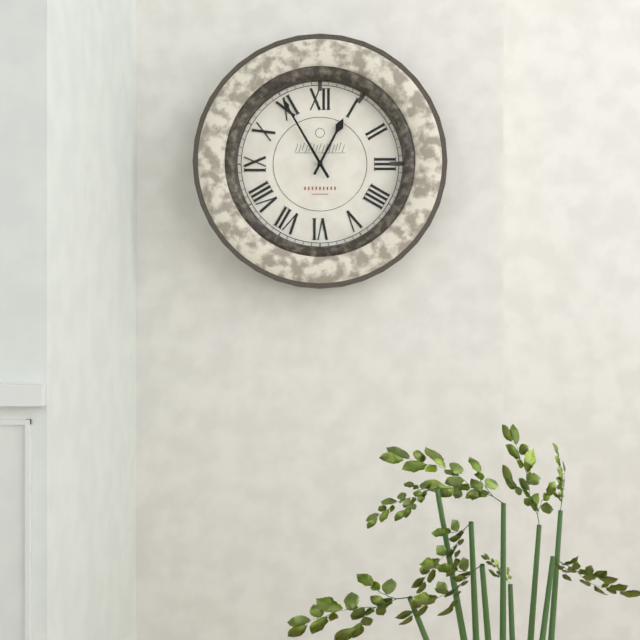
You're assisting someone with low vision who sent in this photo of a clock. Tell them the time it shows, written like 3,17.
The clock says 12,55
